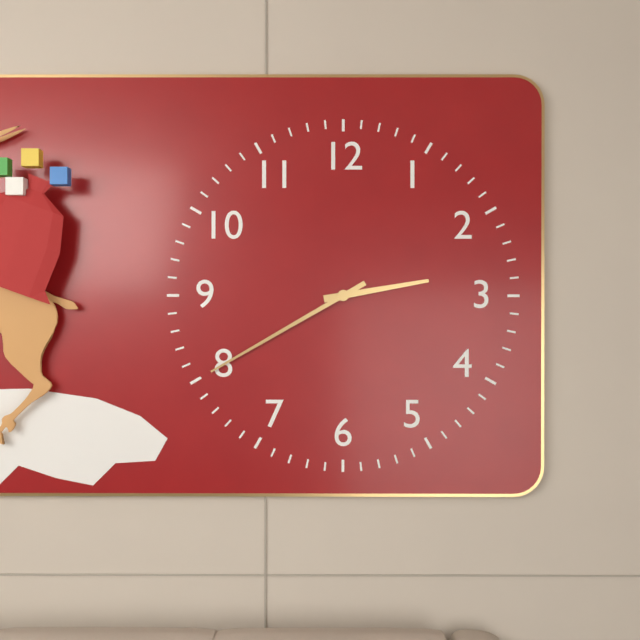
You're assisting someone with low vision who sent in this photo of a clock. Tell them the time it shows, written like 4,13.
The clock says 2,40
